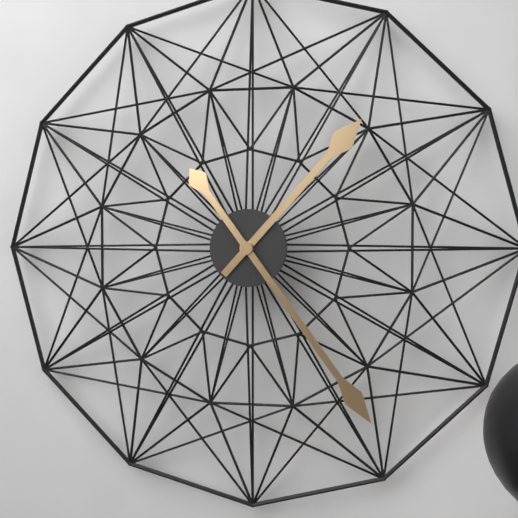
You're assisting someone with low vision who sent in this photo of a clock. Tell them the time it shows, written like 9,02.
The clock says 1,24
